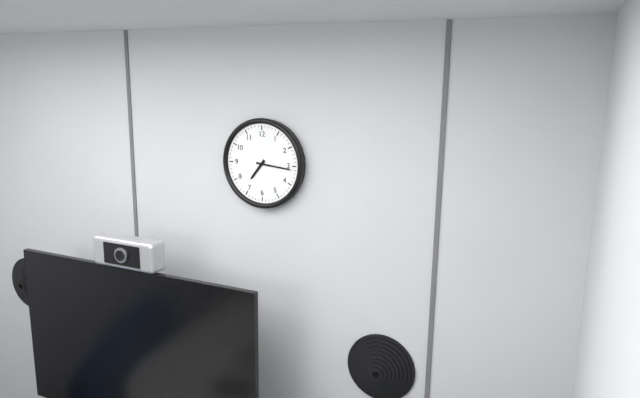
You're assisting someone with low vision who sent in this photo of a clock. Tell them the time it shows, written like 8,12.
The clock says 7,16
